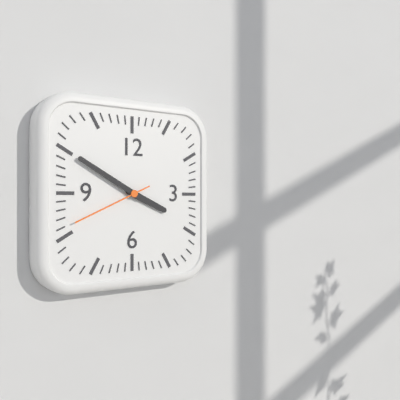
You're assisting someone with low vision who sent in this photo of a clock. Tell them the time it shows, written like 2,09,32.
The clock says 3,50,41
